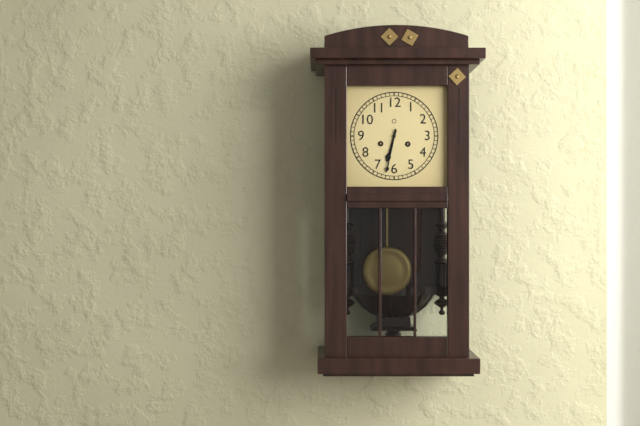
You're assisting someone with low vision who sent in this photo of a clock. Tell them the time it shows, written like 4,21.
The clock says 6,32
